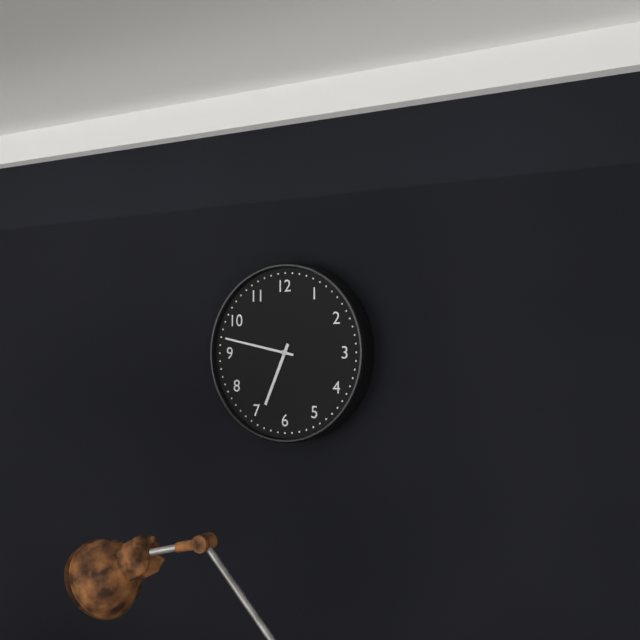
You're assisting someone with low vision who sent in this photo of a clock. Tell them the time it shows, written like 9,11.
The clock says 6,47
